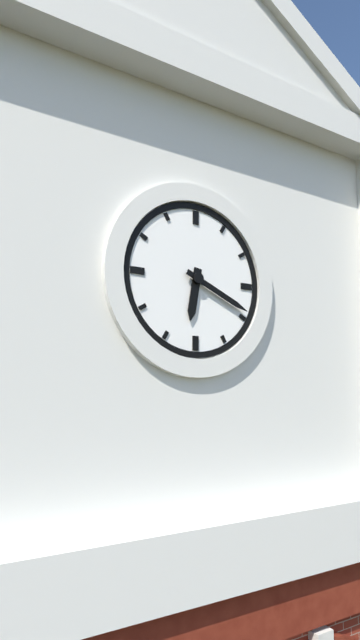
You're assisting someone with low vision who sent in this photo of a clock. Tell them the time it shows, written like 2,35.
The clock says 6,19
